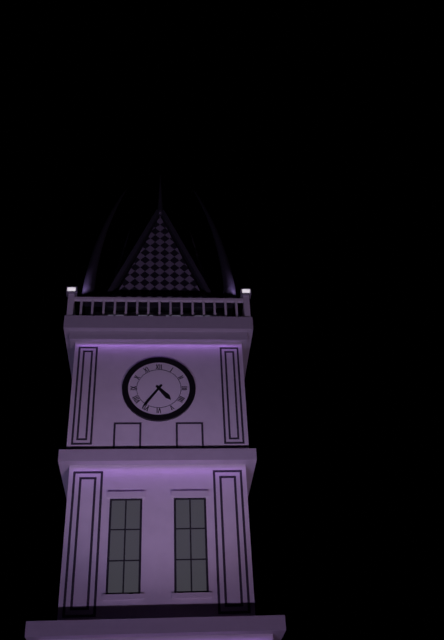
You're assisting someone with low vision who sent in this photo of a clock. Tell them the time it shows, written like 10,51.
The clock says 4,36
